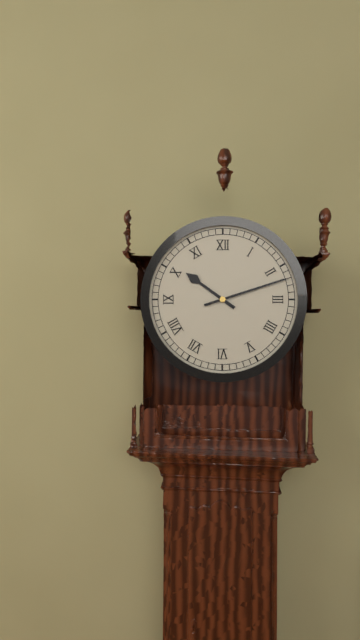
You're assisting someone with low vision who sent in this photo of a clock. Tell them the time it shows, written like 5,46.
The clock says 10,12
